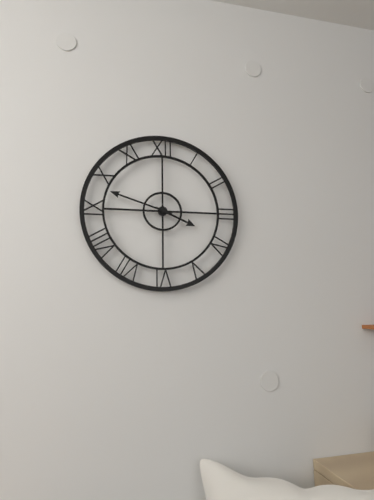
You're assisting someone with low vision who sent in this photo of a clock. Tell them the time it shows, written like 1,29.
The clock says 3,48
